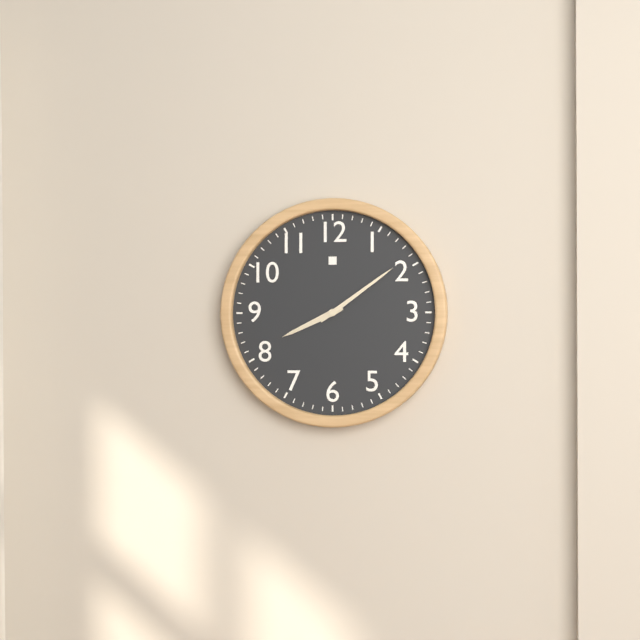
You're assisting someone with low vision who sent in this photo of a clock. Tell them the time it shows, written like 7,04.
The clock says 8,09
